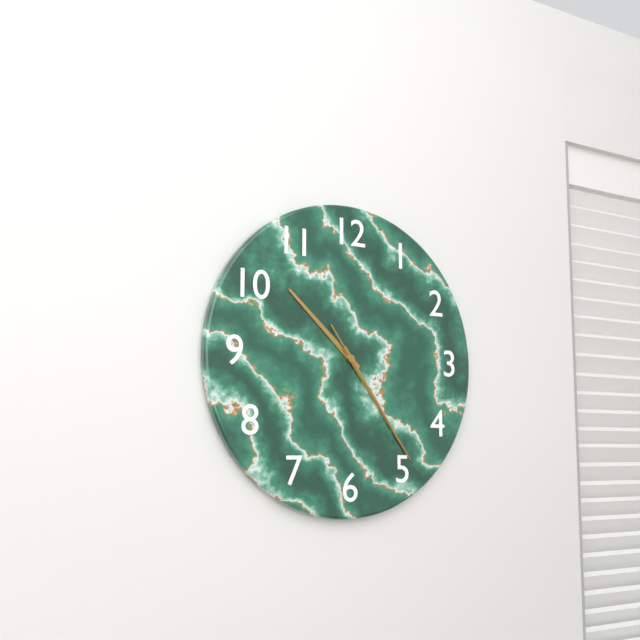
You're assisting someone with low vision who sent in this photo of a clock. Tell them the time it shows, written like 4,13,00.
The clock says 10,24,24
